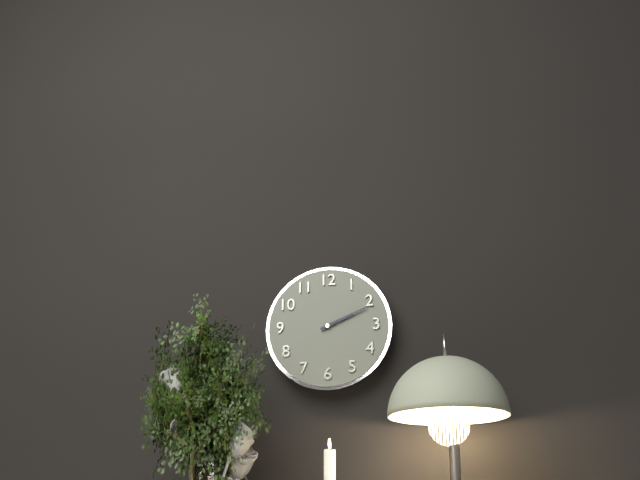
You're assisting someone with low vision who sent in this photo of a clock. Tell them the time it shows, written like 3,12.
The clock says 2,11
